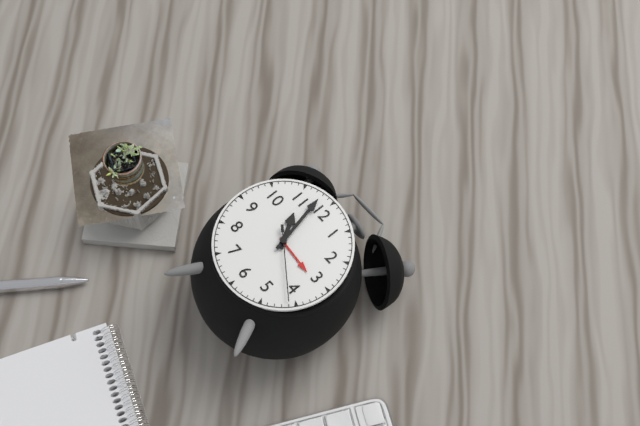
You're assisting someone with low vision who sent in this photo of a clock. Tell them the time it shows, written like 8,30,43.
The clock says 10,58,21
